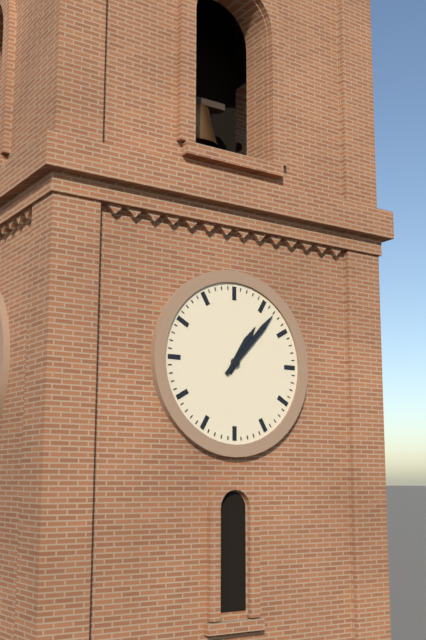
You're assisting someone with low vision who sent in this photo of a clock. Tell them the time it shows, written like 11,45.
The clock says 1,07
